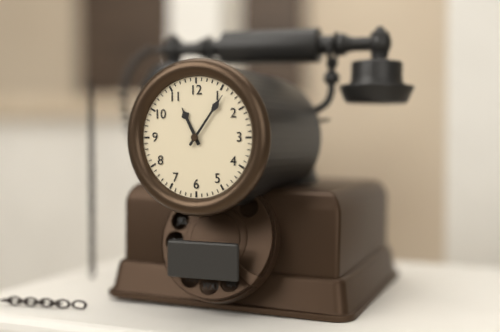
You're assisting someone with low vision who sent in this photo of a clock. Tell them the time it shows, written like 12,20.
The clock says 11,06
